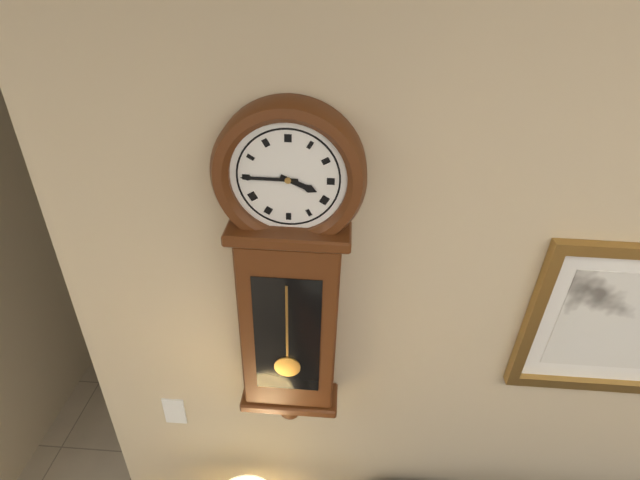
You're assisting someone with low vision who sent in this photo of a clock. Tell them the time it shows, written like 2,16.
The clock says 3,45
